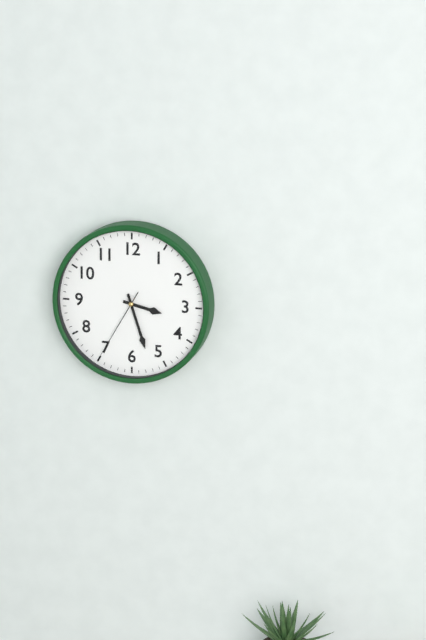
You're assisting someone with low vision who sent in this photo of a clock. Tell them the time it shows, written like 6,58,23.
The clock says 3,27,35
